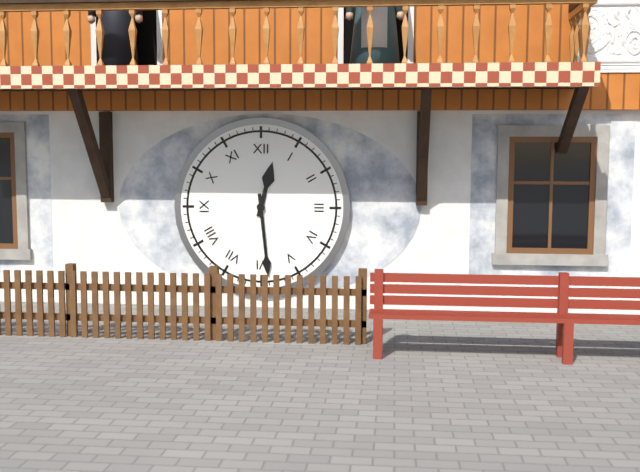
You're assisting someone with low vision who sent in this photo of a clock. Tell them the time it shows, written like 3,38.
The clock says 12,29
